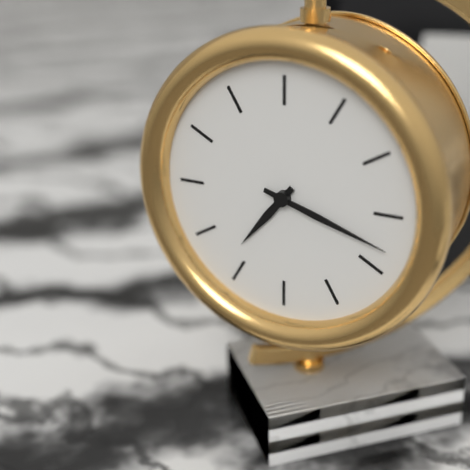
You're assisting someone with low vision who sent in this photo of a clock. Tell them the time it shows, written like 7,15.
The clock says 7,18
